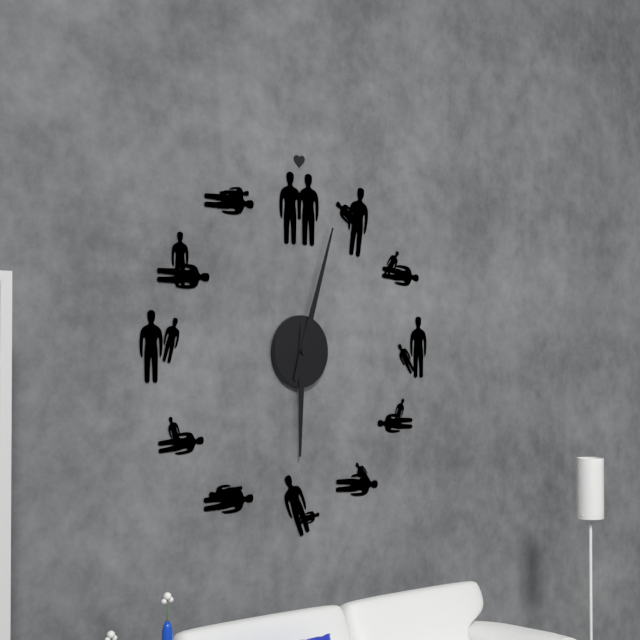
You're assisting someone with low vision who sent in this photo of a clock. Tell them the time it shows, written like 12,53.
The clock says 6,03
